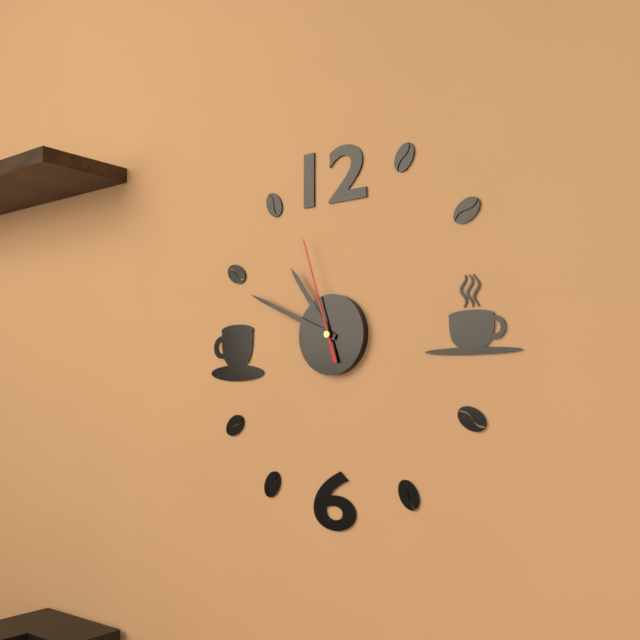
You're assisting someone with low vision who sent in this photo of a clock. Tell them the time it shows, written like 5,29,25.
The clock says 10,49,57
